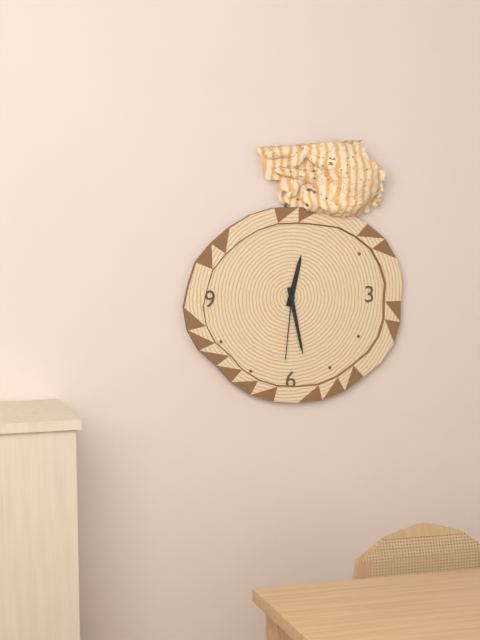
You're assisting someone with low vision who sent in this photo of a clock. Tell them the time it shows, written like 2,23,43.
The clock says 12,28,31
